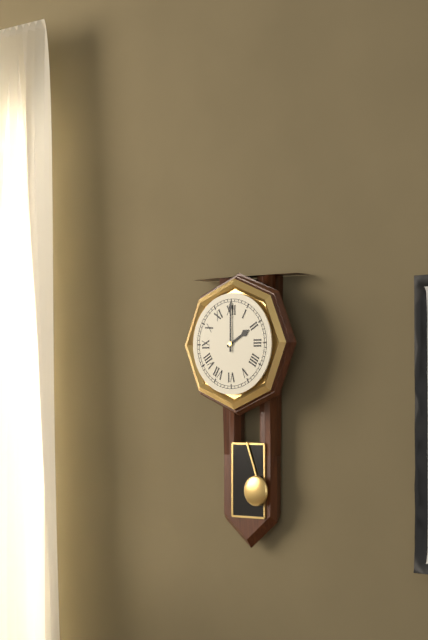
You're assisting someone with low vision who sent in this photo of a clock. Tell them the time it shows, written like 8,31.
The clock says 2,00
